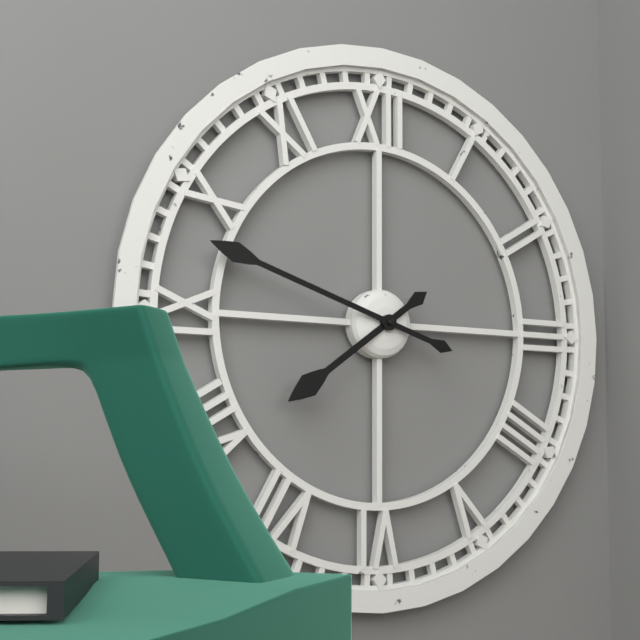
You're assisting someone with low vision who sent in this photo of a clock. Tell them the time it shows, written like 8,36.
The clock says 7,48
